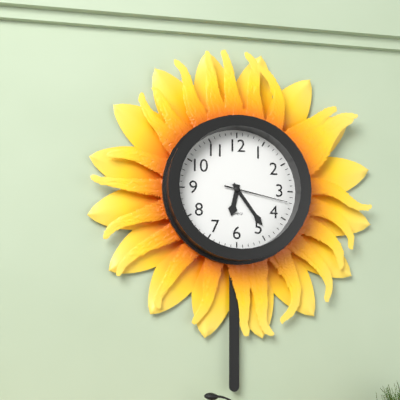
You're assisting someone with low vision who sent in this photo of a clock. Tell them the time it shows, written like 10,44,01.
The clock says 6,24,17
